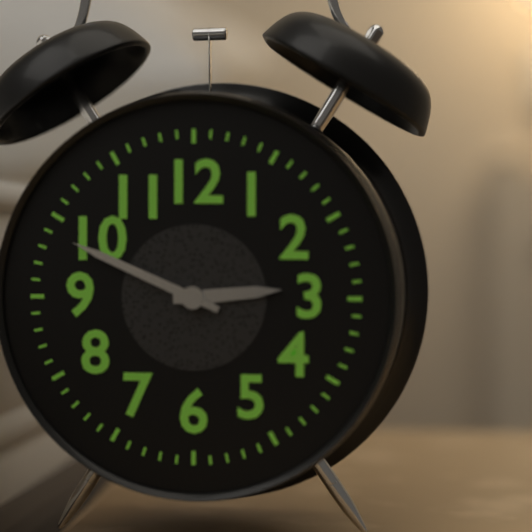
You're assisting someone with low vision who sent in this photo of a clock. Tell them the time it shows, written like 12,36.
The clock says 2,49
